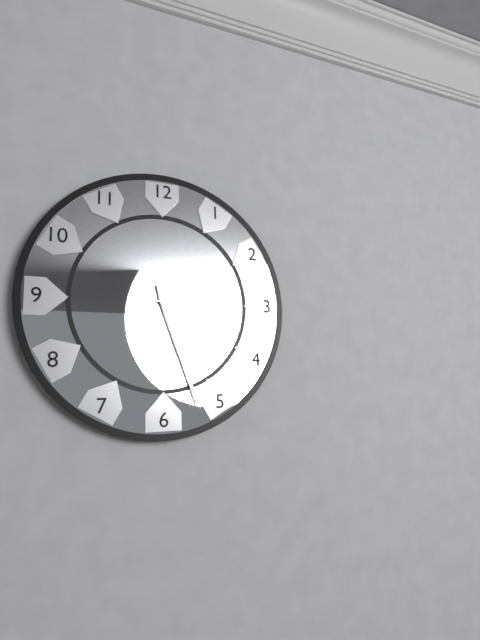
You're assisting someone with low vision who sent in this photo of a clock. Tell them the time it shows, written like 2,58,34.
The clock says 5,27,15
